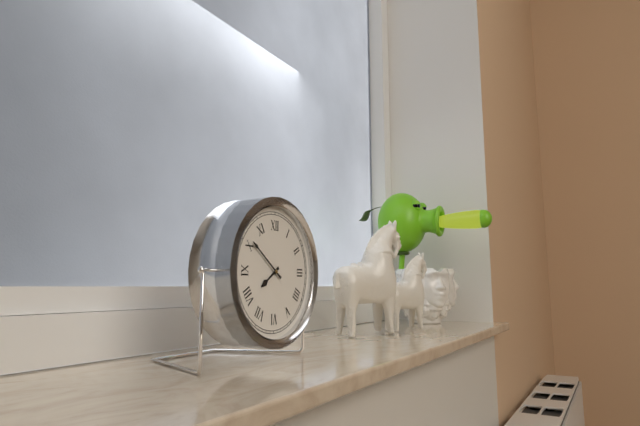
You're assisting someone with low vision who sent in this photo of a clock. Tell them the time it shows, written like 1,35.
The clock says 7,51
